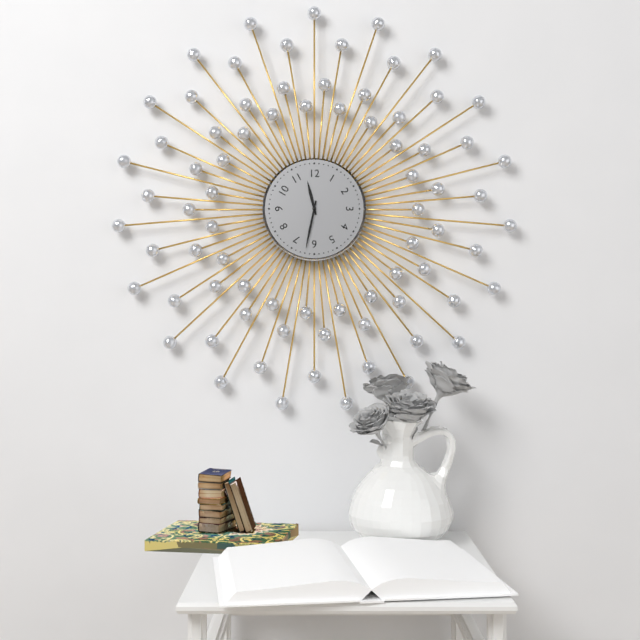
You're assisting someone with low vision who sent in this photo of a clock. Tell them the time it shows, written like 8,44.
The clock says 11,32
